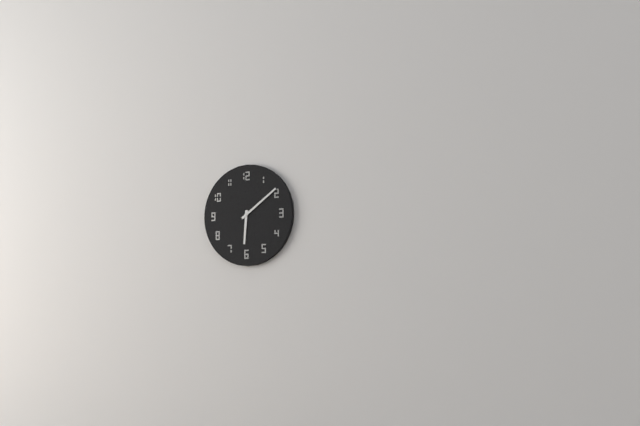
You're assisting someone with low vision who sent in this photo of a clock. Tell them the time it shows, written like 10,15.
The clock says 6,09
